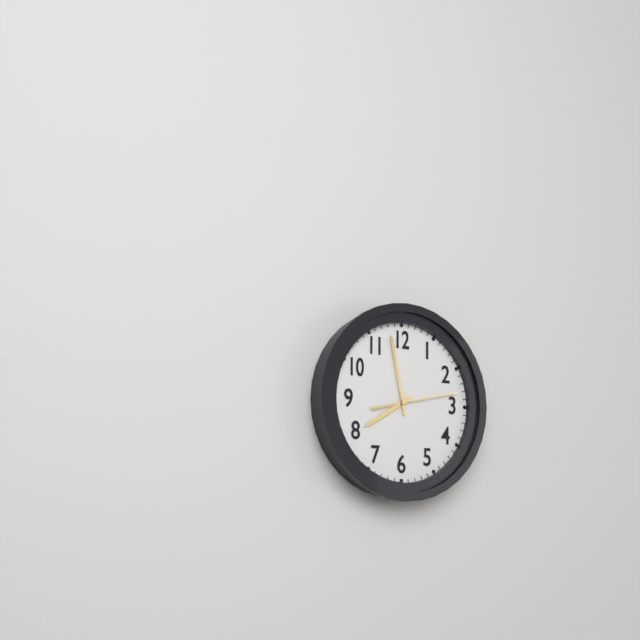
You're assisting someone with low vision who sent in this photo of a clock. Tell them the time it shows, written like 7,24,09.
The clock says 7,58,13
